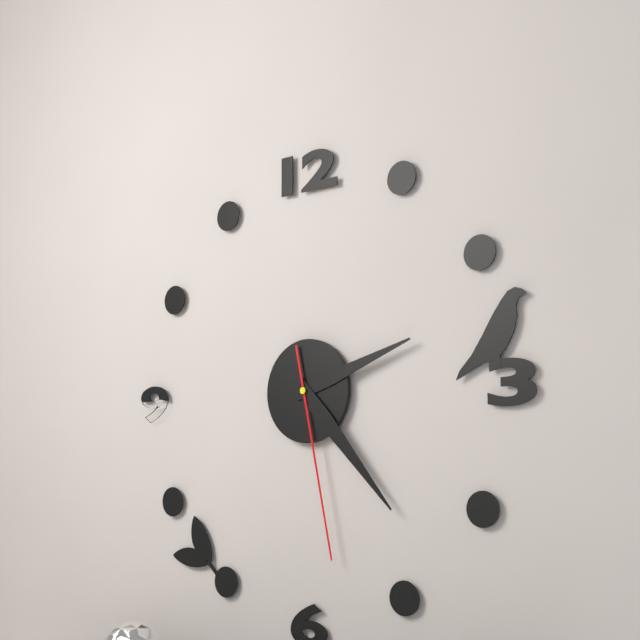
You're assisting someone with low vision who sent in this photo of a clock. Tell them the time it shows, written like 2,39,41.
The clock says 2,23,28
